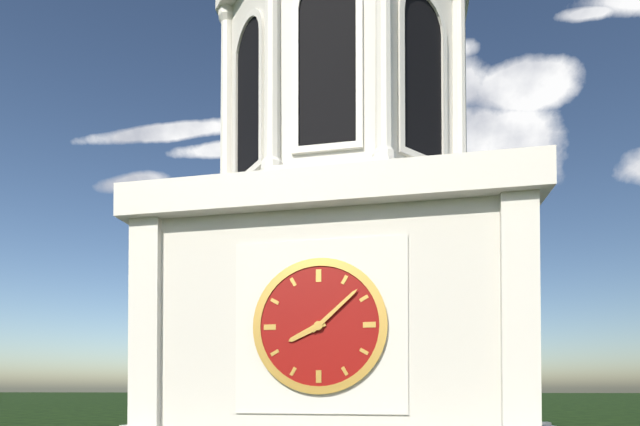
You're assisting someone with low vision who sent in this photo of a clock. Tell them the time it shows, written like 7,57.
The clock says 8,08
